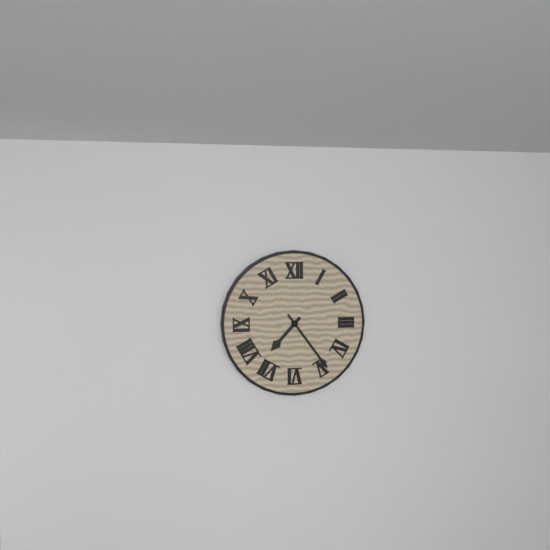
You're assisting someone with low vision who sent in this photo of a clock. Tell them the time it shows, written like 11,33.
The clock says 7,24
